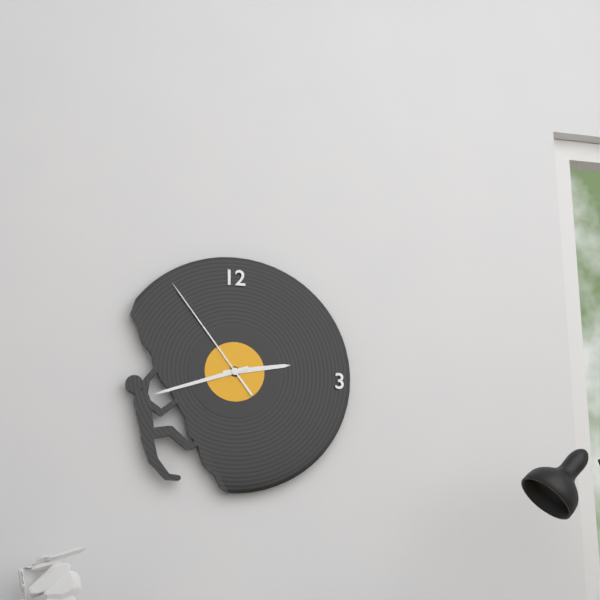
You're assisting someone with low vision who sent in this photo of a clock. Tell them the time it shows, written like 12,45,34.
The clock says 2,42,54
